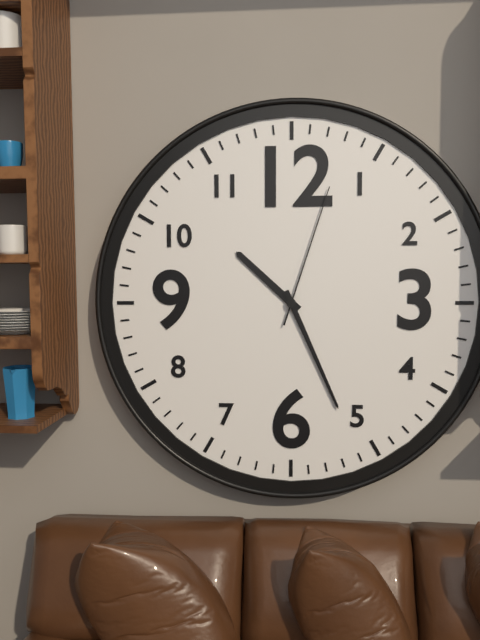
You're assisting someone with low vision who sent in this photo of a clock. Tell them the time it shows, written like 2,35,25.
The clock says 10,26,03
